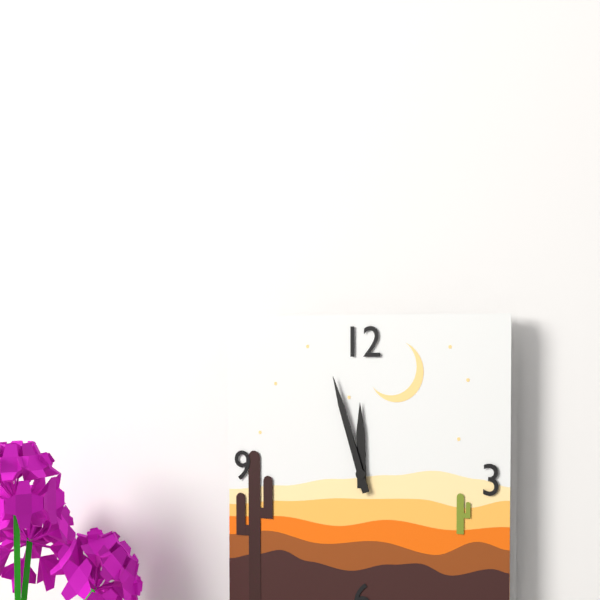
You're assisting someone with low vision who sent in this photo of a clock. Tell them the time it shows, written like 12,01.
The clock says 11,57
